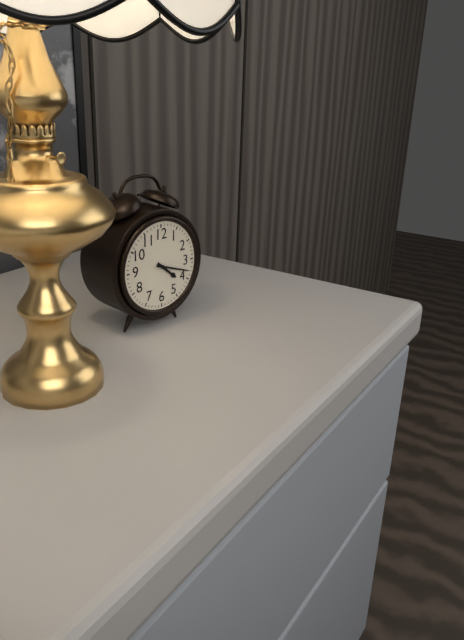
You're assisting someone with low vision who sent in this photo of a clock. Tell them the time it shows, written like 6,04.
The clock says 4,18
